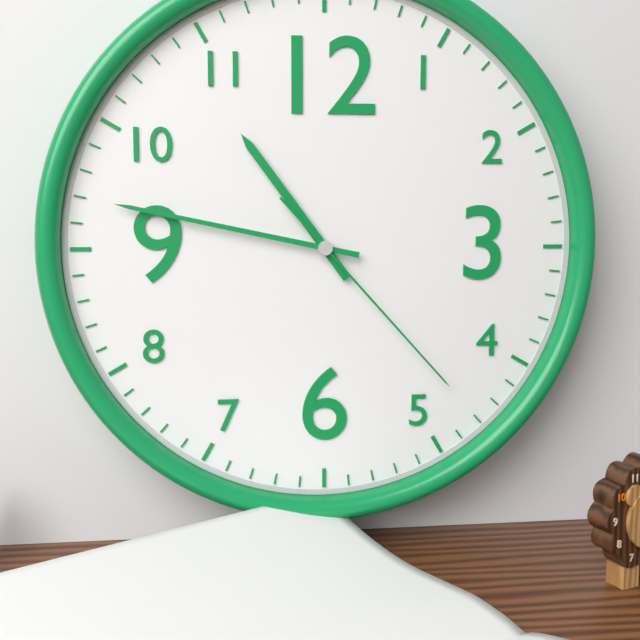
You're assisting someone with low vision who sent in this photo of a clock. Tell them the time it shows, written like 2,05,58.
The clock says 10,47,23
